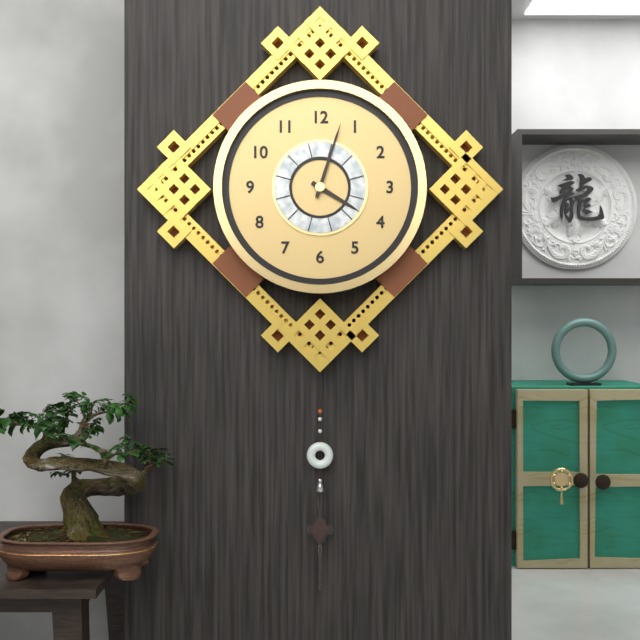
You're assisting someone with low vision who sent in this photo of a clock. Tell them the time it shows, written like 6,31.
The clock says 4,03
